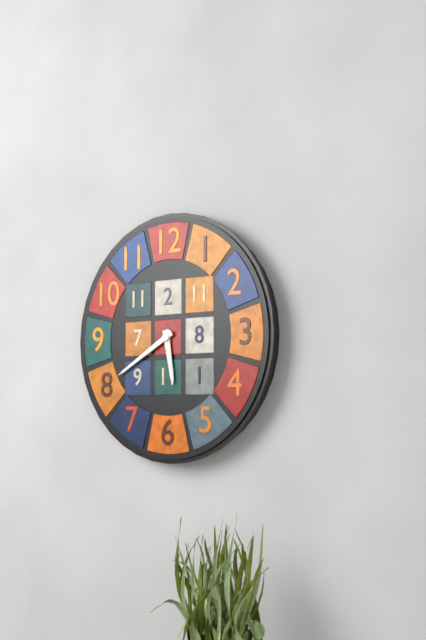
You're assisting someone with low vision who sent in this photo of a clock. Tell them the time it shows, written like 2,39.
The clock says 5,40
